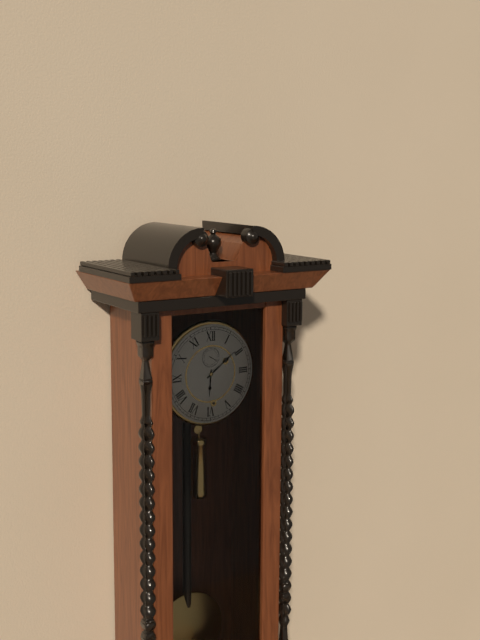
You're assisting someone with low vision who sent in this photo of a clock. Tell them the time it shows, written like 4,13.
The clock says 6,09
